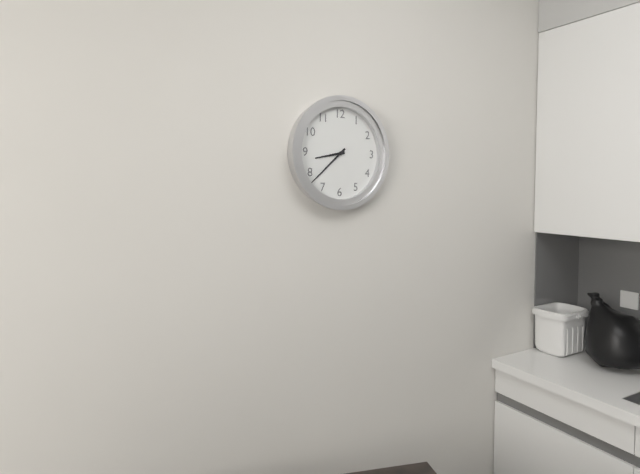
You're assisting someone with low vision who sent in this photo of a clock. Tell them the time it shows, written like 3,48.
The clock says 8,38
